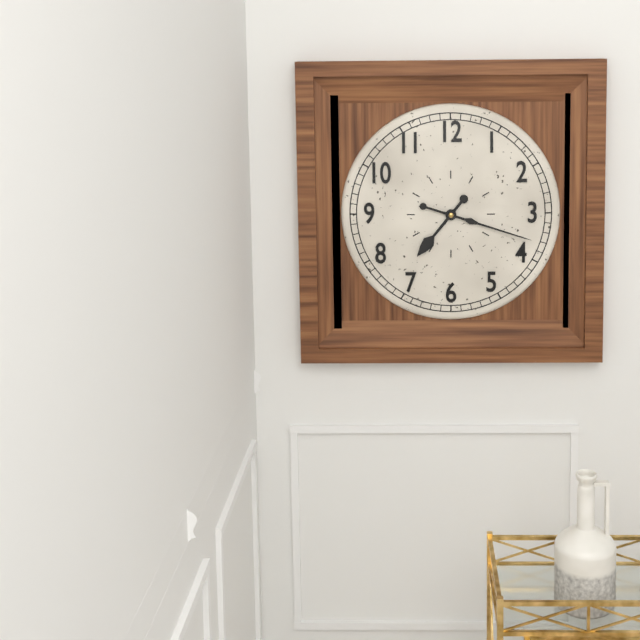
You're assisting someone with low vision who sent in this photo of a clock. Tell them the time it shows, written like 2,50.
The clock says 7,18
